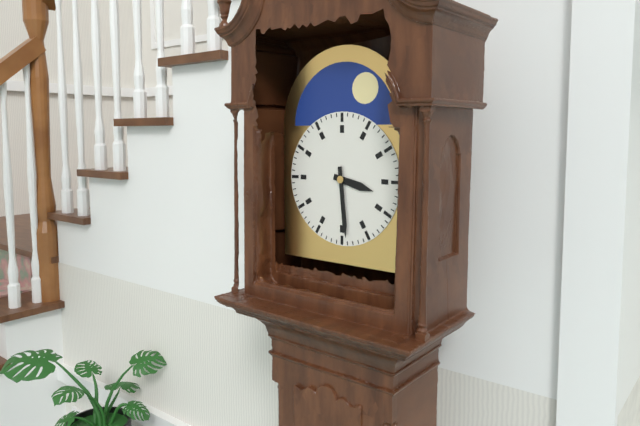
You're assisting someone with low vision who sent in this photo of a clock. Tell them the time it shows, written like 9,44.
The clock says 3,29
